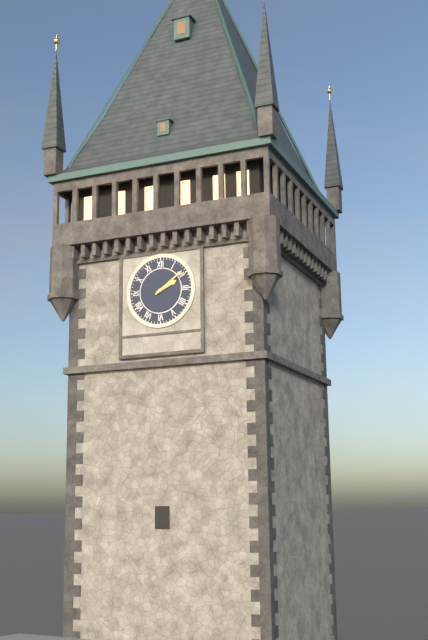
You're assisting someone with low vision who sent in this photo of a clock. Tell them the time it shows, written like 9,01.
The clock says 2,09
